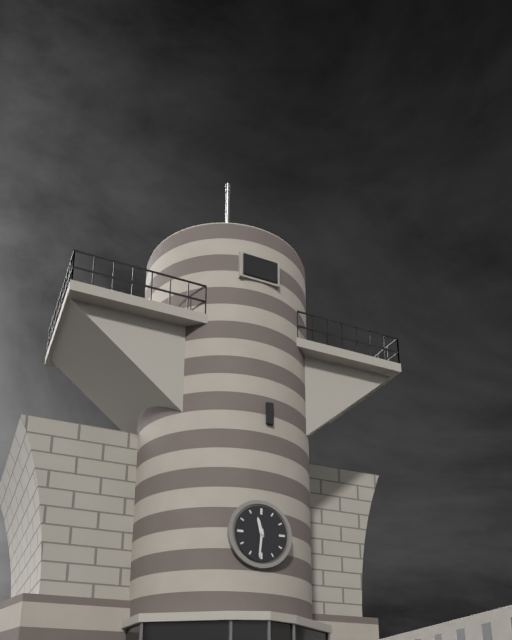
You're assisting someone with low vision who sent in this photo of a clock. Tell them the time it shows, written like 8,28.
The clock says 11,31
